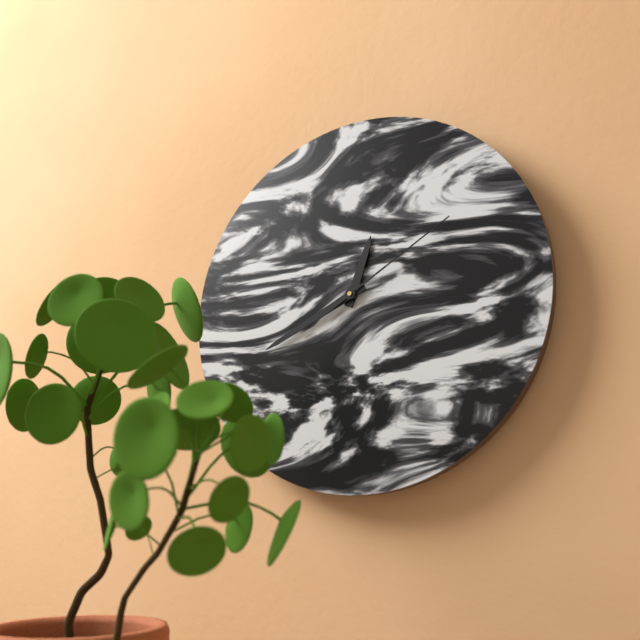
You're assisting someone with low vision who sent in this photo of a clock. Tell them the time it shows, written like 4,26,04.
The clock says 12,41,10
